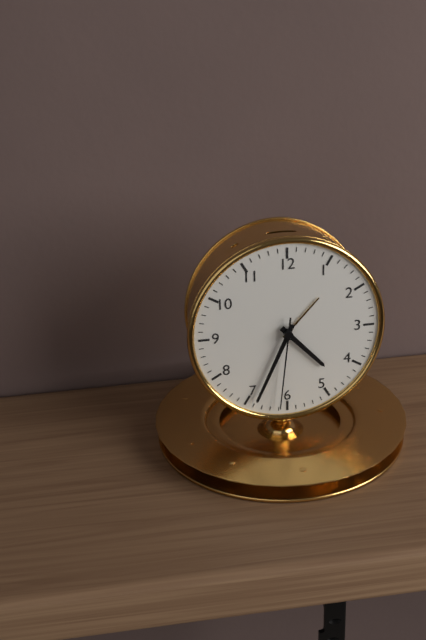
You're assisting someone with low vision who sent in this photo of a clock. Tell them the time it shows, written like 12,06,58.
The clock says 4,34,31
